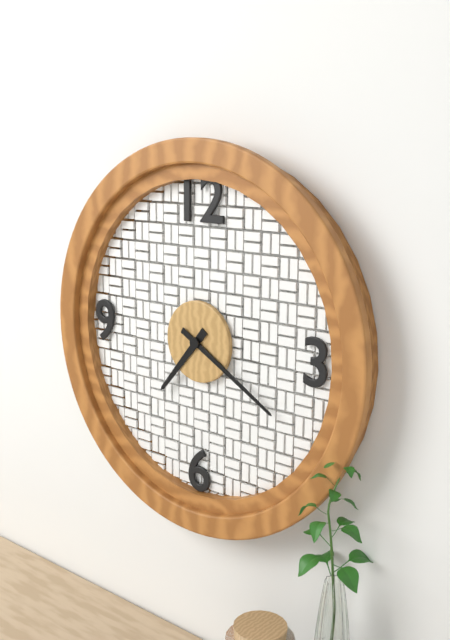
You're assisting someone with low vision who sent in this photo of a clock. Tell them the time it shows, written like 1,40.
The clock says 7,20
